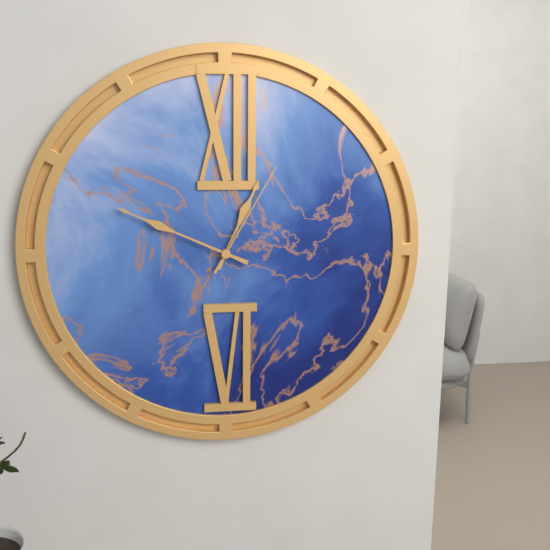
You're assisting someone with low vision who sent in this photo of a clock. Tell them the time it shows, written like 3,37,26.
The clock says 12,49,05
